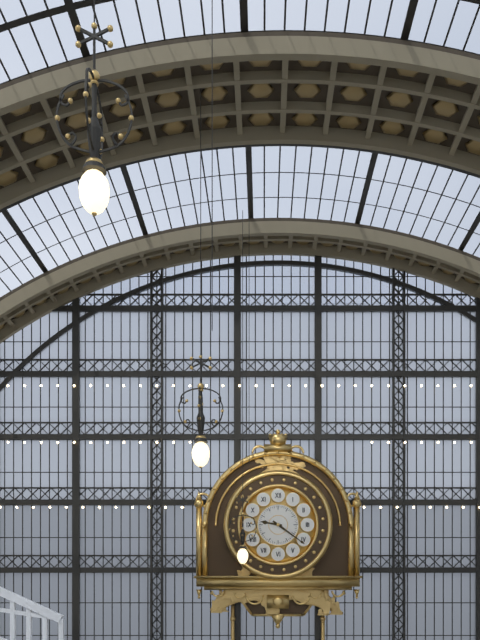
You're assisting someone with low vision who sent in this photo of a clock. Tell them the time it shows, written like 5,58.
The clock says 9,21
